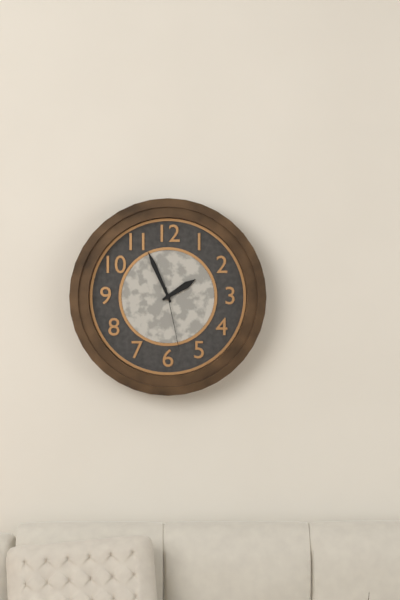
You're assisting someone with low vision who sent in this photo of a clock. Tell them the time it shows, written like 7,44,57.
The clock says 1,56,28
